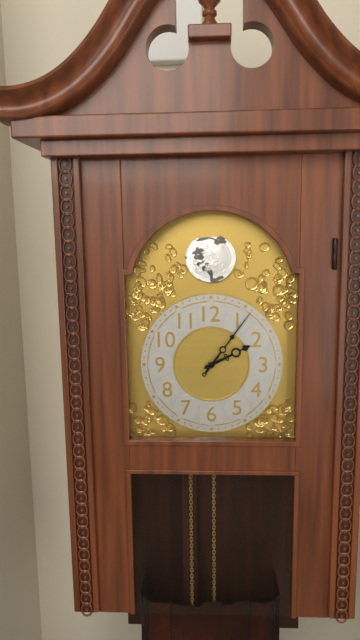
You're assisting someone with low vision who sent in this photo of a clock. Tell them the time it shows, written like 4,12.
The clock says 2,06
